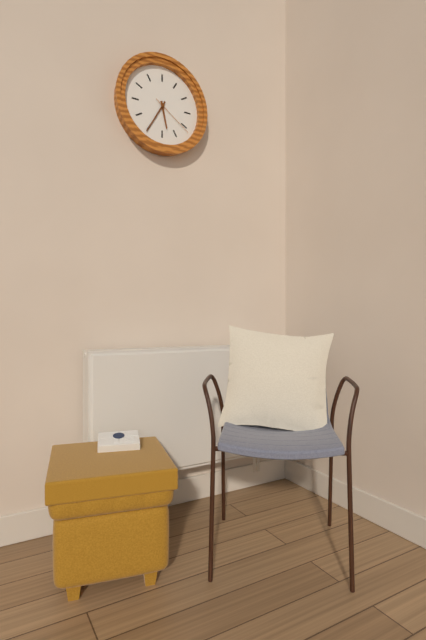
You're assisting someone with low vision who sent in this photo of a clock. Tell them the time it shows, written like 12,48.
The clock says 5,35
